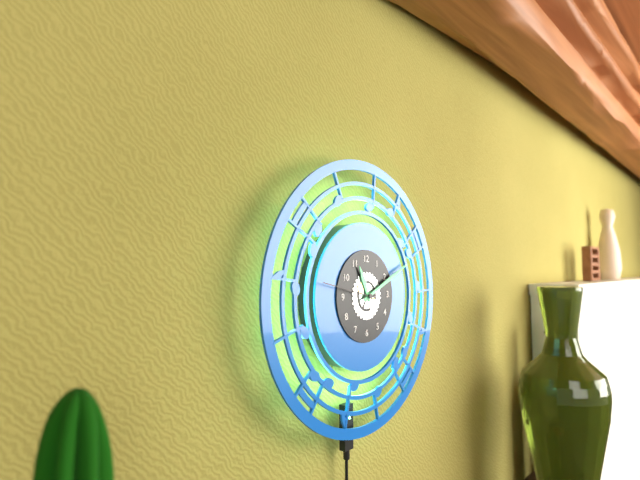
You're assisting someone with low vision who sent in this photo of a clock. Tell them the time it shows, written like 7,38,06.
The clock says 11,11,47
